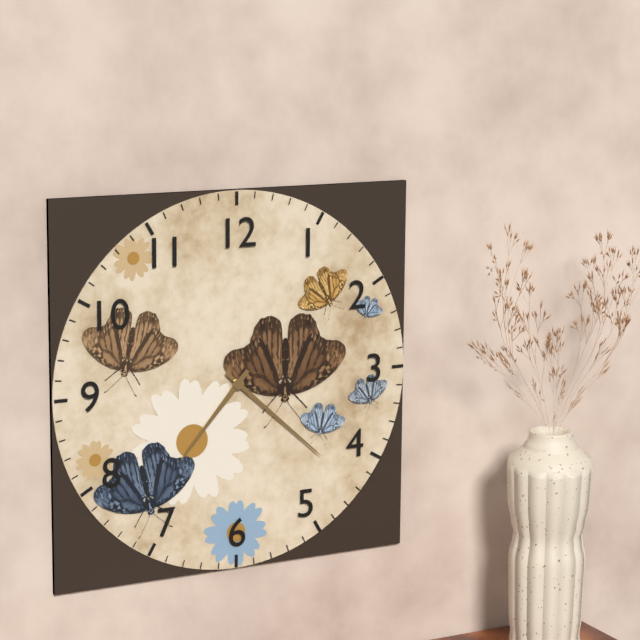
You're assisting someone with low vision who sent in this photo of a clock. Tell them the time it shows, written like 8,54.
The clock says 7,22
